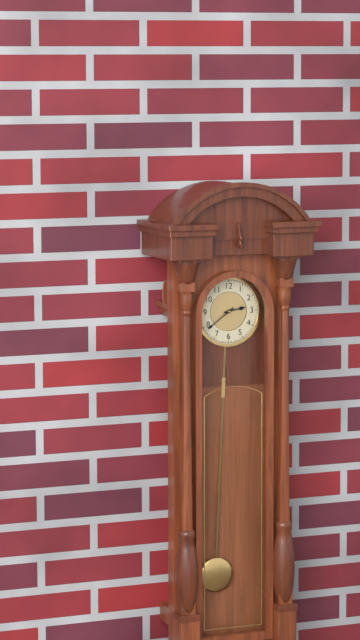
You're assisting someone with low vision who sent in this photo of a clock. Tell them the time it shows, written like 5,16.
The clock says 2,39
